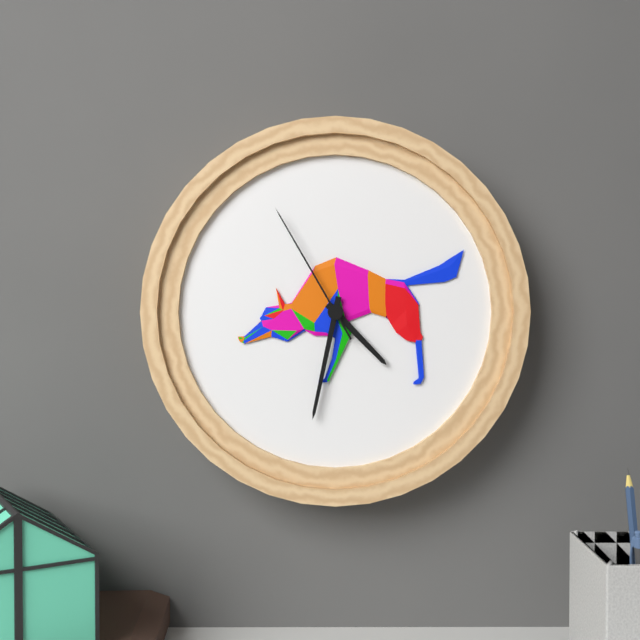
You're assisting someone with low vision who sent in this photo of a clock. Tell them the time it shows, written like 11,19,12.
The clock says 4,32,55
